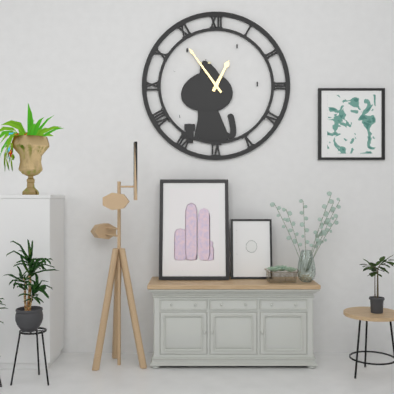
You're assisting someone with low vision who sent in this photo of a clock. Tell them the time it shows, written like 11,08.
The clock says 12,54
